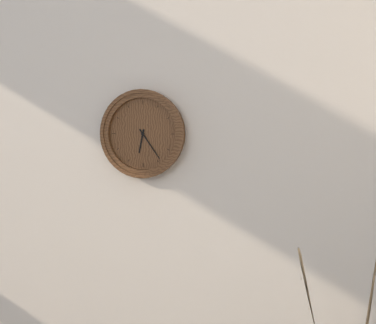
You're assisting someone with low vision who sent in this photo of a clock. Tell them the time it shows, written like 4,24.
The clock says 6,24
